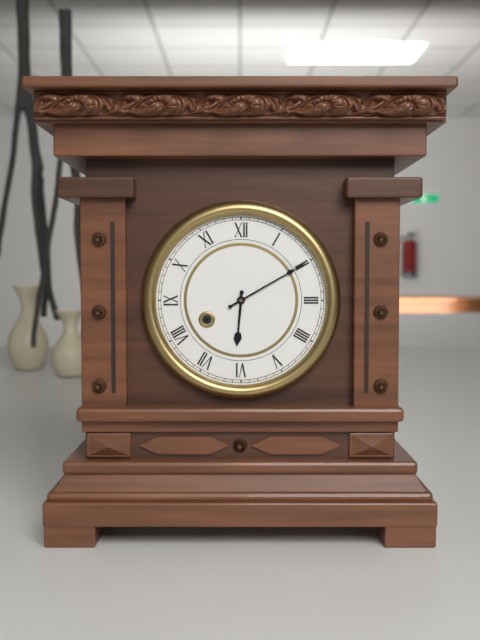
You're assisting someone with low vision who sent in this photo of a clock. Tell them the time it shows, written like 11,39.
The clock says 6,10
